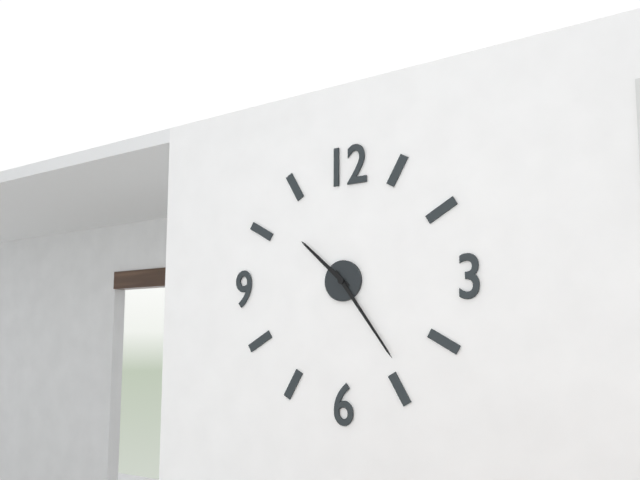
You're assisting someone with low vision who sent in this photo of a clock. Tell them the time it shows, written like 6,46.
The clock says 10,24
